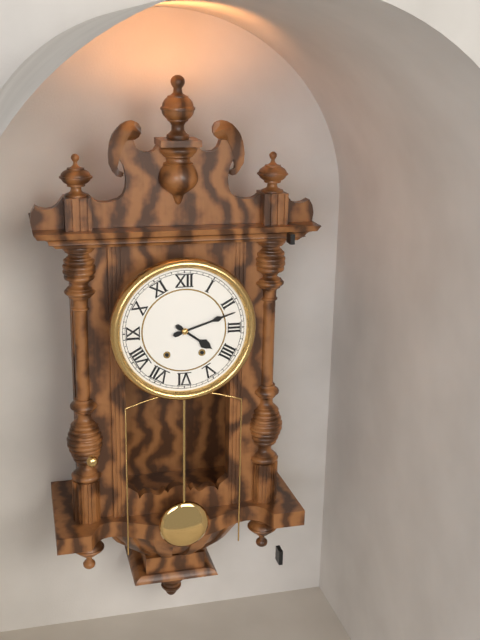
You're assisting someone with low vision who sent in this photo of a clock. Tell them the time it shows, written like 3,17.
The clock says 4,12
